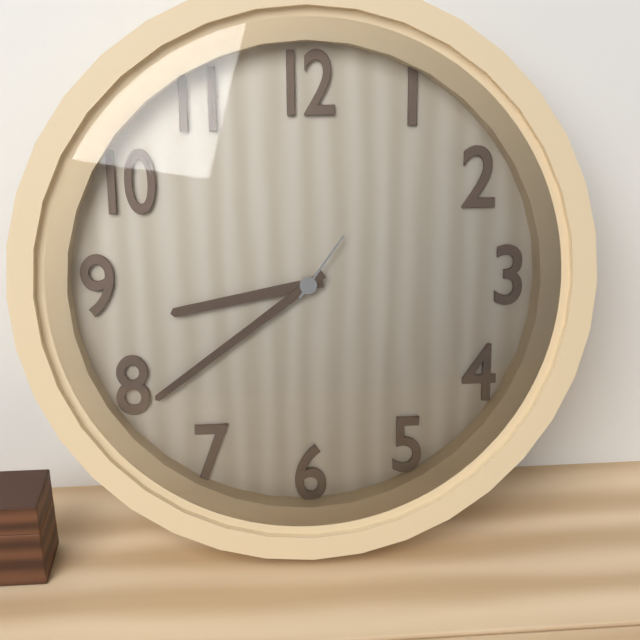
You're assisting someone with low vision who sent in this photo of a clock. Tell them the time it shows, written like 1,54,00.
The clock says 8,39,06
